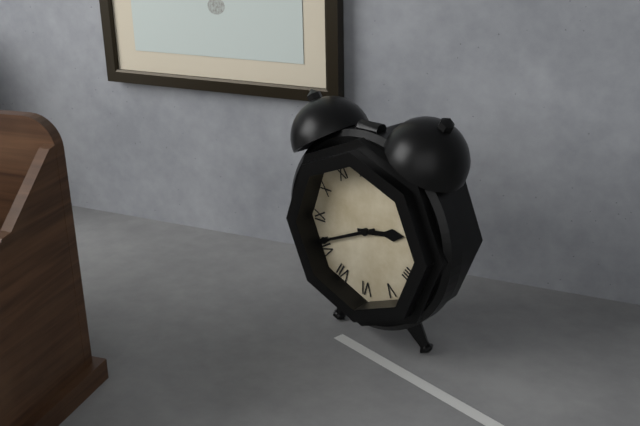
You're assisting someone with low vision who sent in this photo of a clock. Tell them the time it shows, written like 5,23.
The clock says 2,41
